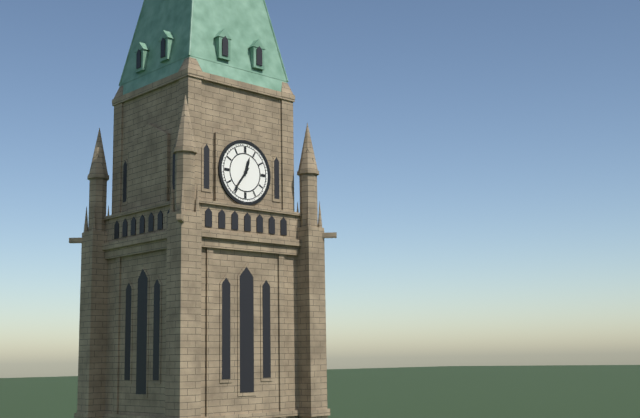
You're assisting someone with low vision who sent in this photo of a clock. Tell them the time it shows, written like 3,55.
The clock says 12,36
